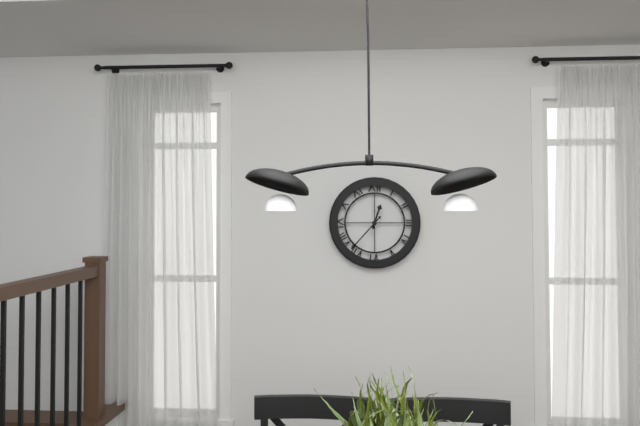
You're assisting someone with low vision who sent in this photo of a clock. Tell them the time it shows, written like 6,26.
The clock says 12,37
